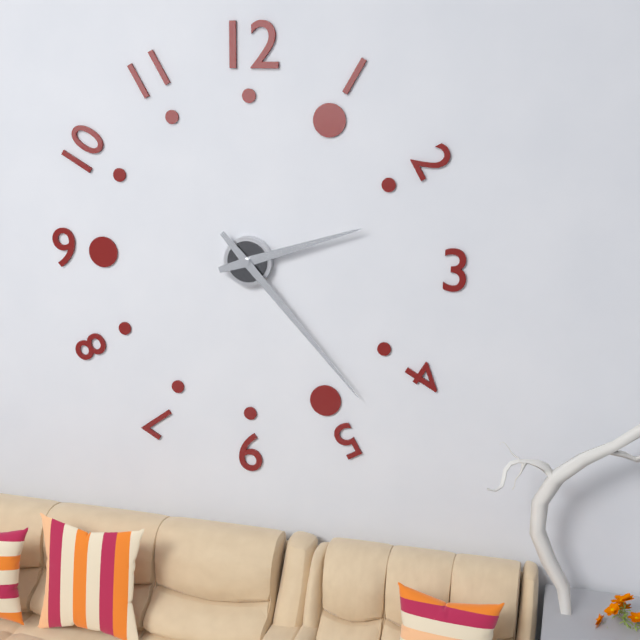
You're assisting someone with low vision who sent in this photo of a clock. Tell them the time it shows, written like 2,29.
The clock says 2,23
